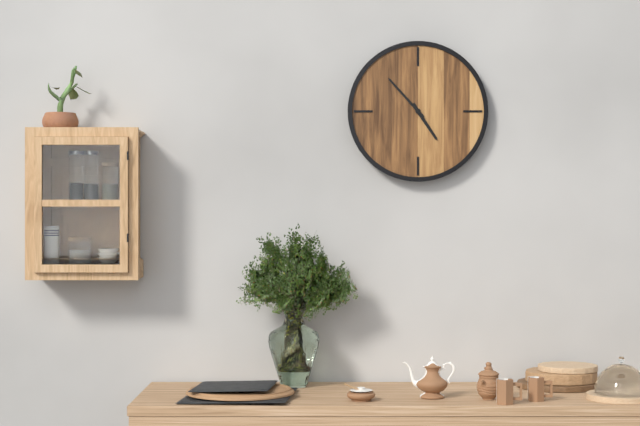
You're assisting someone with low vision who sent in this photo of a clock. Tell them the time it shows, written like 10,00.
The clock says 4,53
